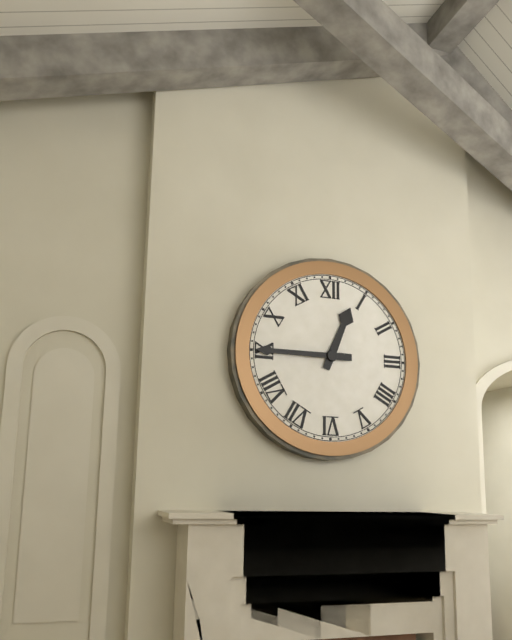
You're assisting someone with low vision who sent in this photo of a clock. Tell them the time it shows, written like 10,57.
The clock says 12,45
